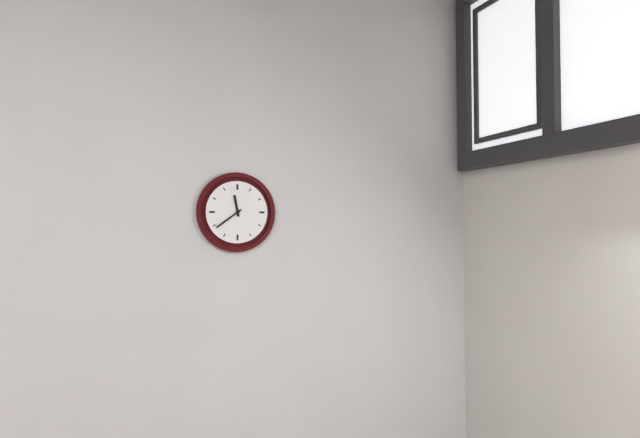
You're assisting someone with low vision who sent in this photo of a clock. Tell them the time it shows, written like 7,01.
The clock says 11,39
